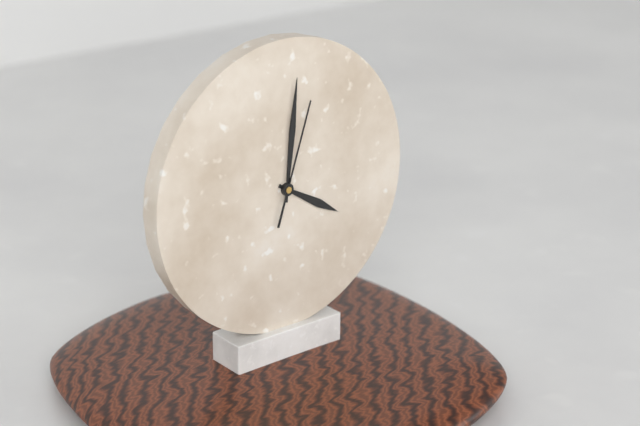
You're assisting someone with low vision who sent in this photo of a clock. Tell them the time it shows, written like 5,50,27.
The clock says 4,01,03
